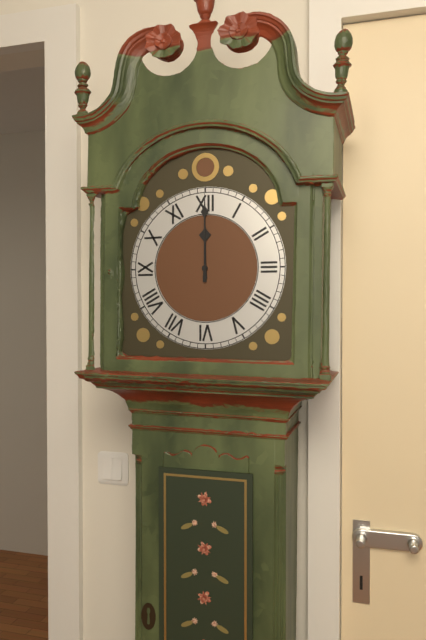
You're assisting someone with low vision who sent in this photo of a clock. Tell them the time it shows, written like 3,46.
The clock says 12,00
